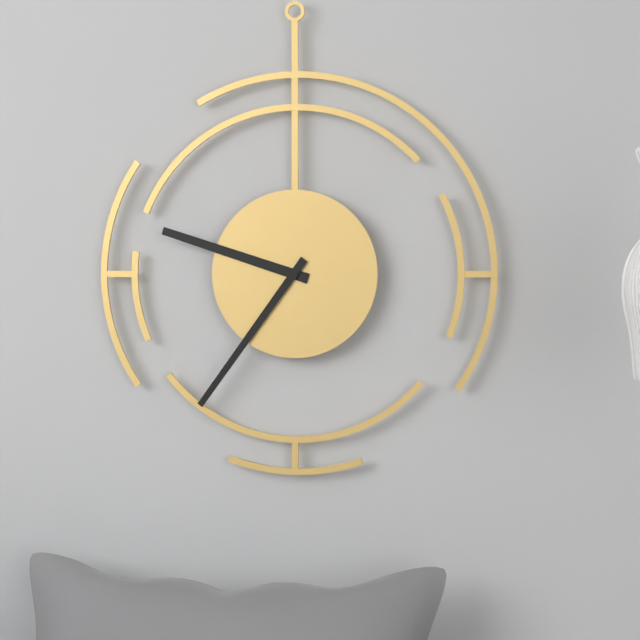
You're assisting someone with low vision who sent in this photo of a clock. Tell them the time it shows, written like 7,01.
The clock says 9,36
